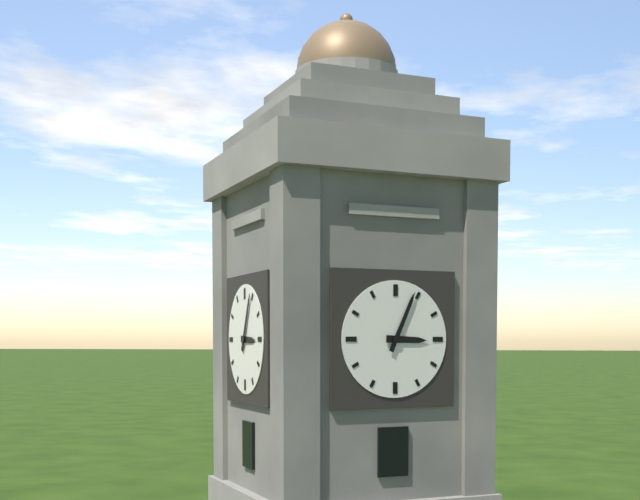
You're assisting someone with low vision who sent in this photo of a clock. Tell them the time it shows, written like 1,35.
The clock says 3,04
